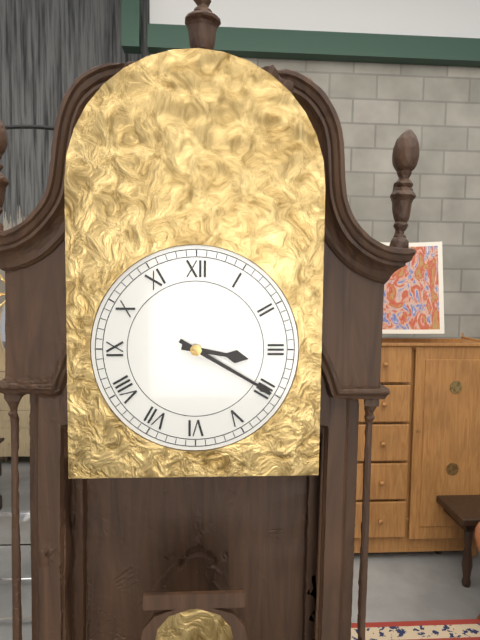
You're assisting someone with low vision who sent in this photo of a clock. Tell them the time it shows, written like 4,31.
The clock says 3,20
